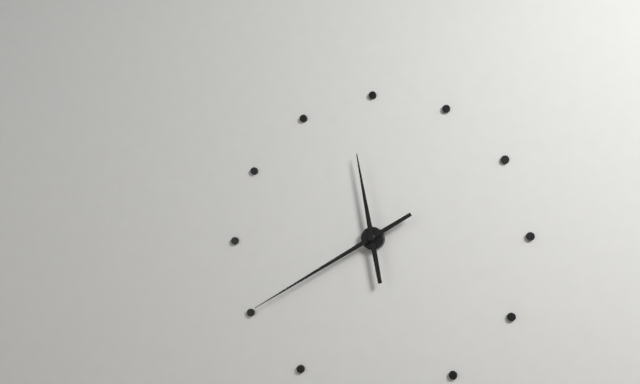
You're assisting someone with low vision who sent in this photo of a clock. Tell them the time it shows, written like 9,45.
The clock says 11,40
